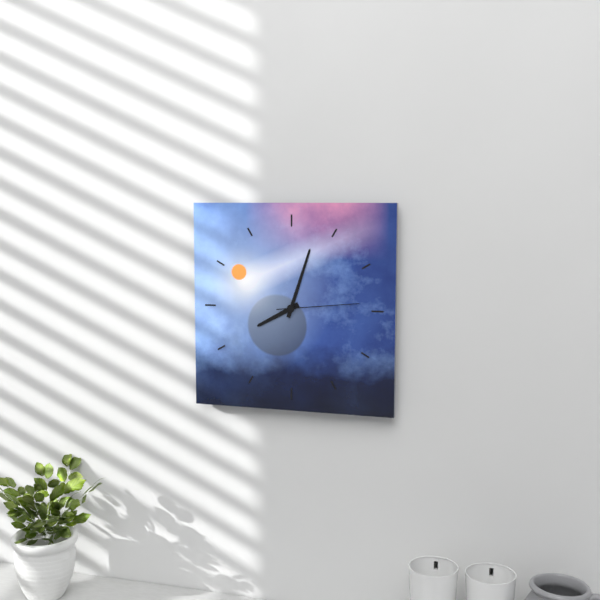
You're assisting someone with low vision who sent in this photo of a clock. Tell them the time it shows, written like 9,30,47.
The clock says 8,03,14
